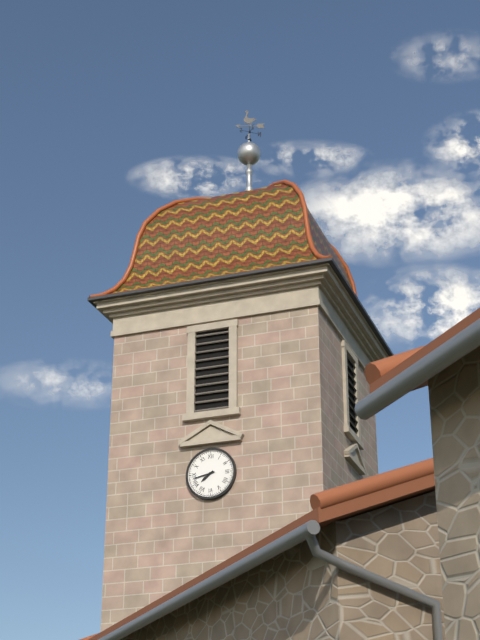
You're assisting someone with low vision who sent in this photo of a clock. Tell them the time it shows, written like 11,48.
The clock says 7,43
